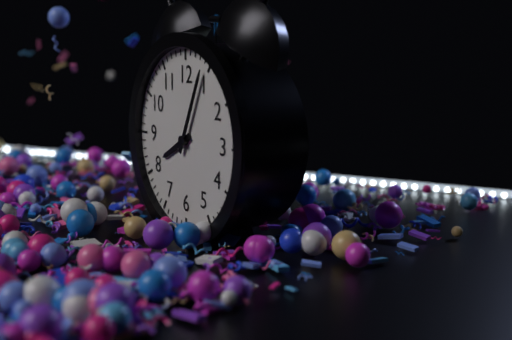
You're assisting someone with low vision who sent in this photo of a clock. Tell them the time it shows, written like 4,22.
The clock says 8,04
